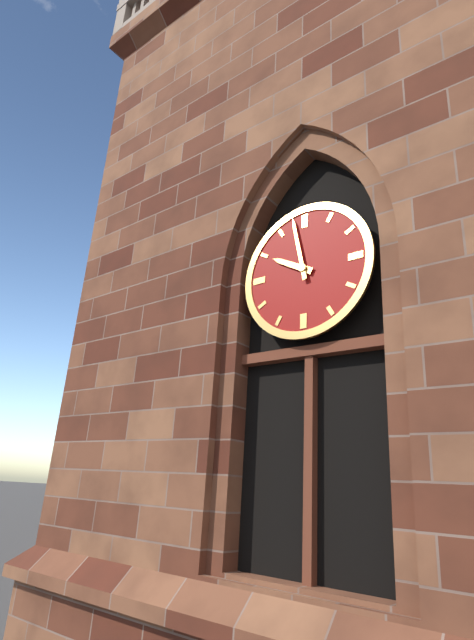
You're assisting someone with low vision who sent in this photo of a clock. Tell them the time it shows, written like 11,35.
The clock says 9,58
